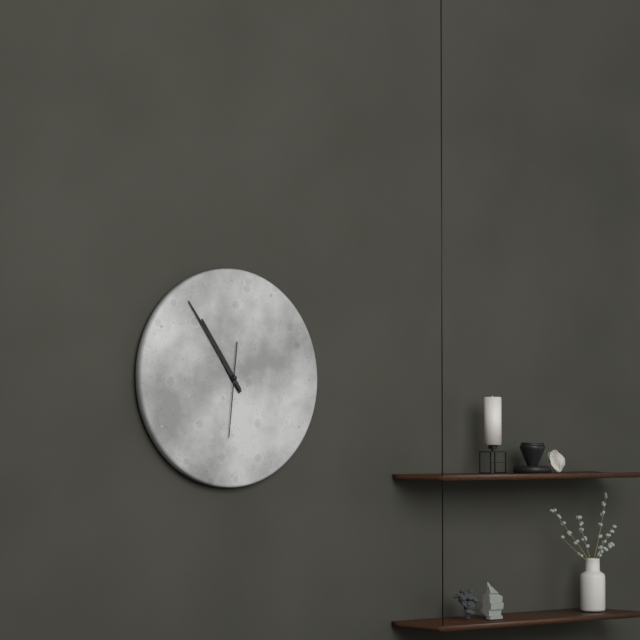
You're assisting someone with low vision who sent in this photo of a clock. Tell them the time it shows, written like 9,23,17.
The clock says 10,54,31
